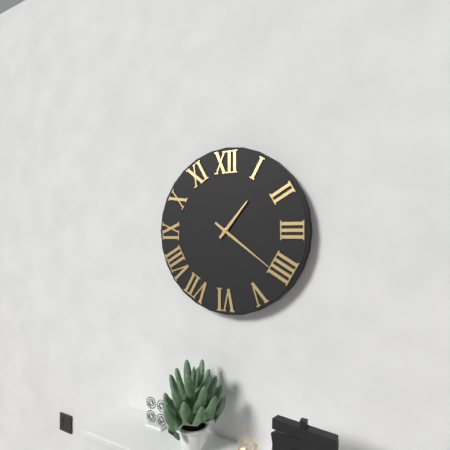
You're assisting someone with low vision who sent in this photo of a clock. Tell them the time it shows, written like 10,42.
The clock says 1,21
